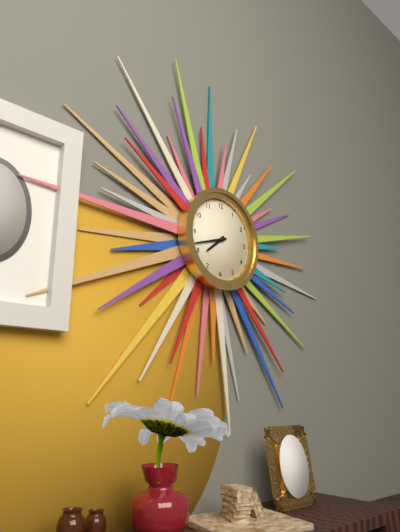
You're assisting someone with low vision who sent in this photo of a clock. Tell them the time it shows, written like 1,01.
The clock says 7,42
